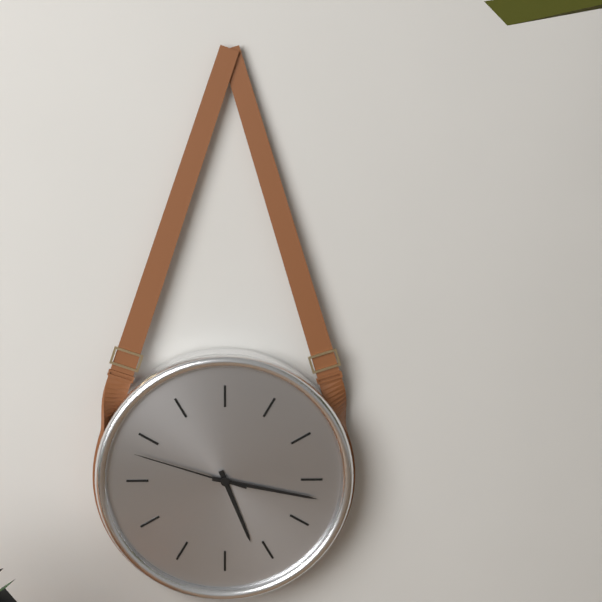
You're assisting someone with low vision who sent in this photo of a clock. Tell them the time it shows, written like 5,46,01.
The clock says 5,17,48
